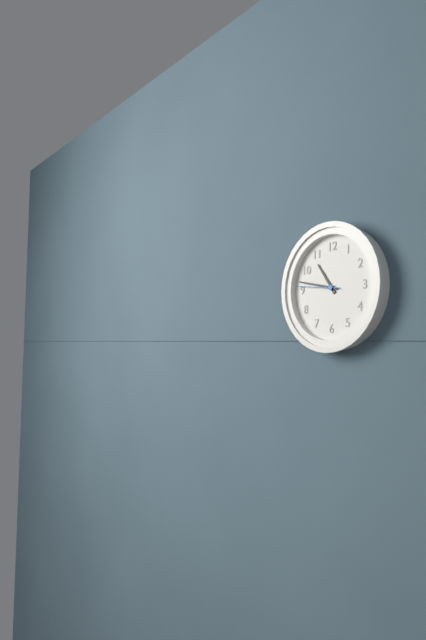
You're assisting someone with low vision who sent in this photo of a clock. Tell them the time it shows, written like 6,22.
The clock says 10,47
